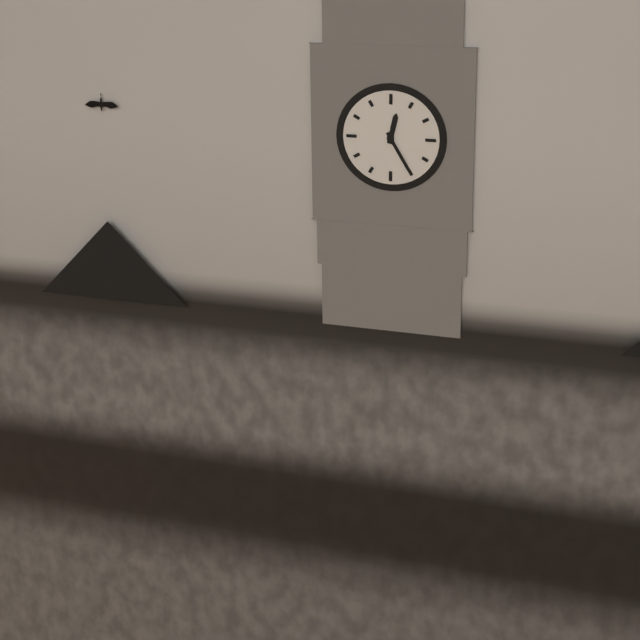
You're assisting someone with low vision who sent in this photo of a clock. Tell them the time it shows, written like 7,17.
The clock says 12,25
